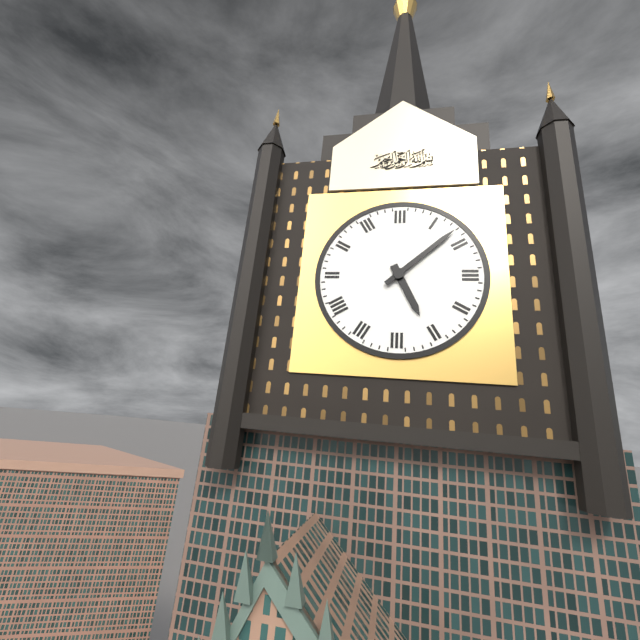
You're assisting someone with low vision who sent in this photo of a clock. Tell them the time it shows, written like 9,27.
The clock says 5,08
